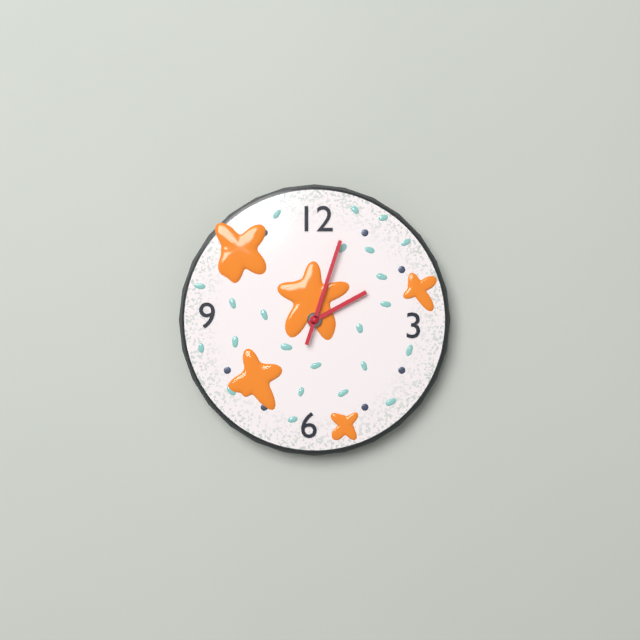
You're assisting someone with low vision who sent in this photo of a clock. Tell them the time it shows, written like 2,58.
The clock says 2,03
